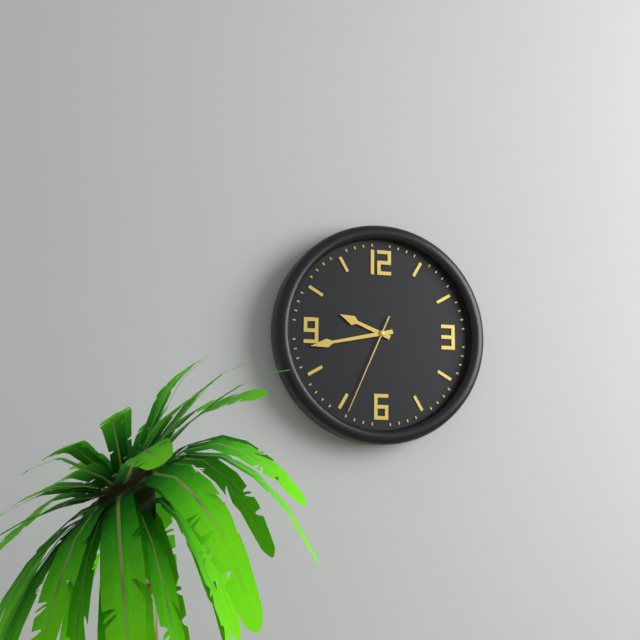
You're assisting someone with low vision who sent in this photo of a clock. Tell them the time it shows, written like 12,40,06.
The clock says 9,43,34
